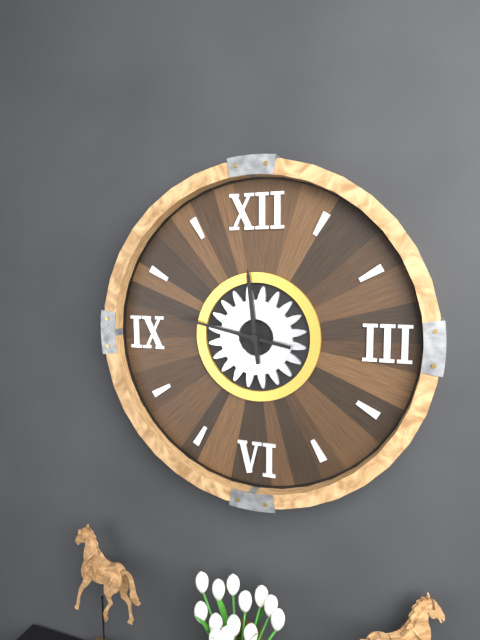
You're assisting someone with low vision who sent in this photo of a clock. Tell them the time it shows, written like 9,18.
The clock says 11,47
